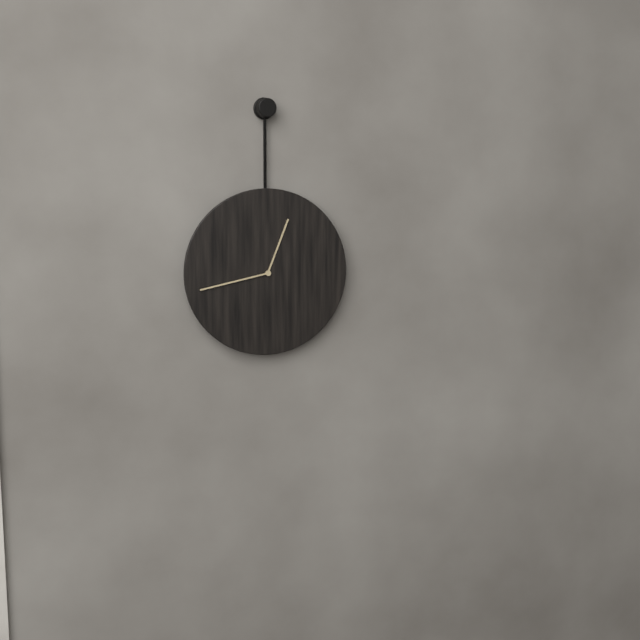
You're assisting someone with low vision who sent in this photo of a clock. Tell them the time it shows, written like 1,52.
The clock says 12,43
